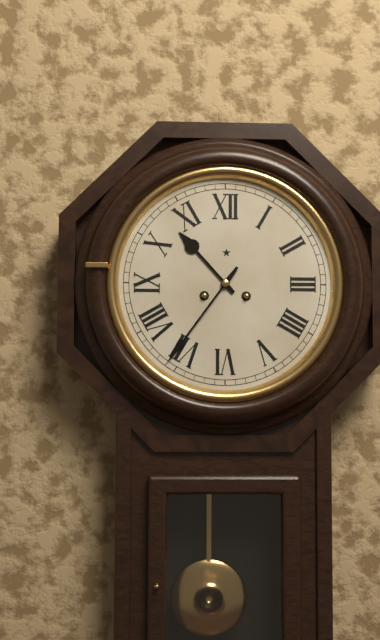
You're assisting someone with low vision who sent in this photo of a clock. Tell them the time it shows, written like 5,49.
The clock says 10,36
